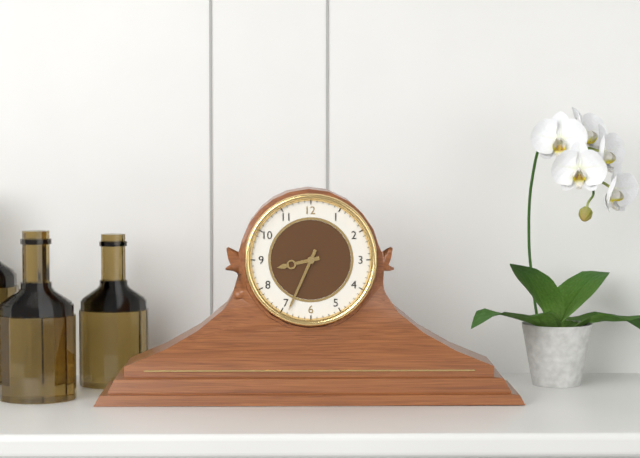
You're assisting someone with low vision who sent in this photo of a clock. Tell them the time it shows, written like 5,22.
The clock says 8,34
